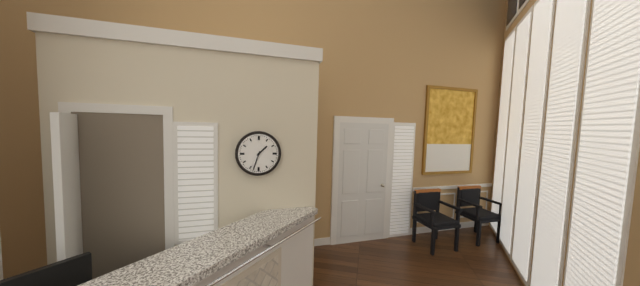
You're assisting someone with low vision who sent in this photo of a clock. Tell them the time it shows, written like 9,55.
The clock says 1,33
